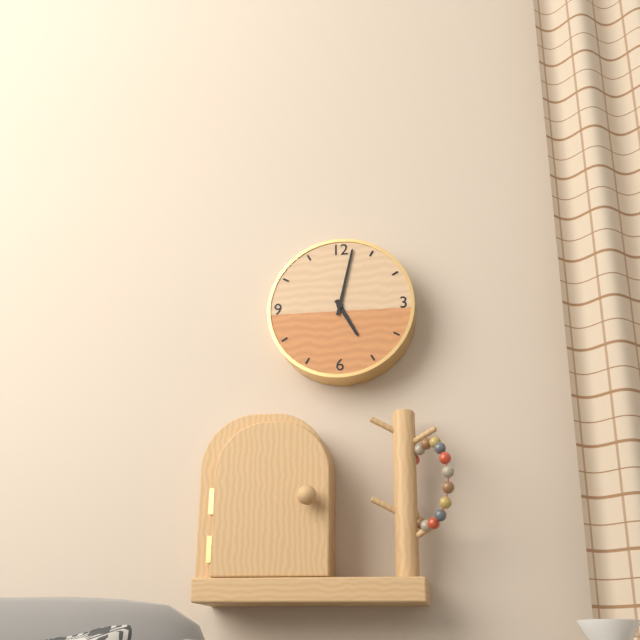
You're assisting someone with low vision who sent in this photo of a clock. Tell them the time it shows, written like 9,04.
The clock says 5,02
